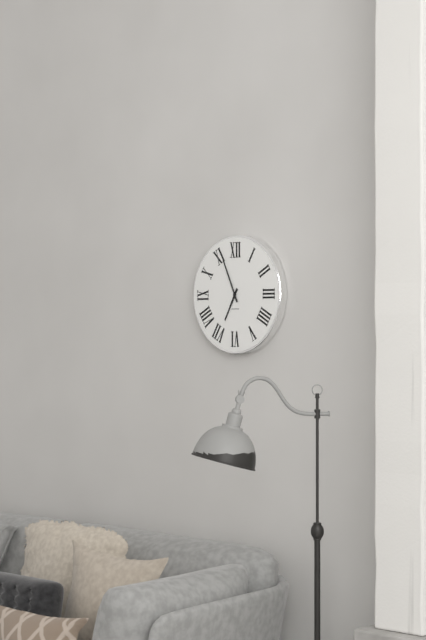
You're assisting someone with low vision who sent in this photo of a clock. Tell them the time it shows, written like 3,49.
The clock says 6,56
